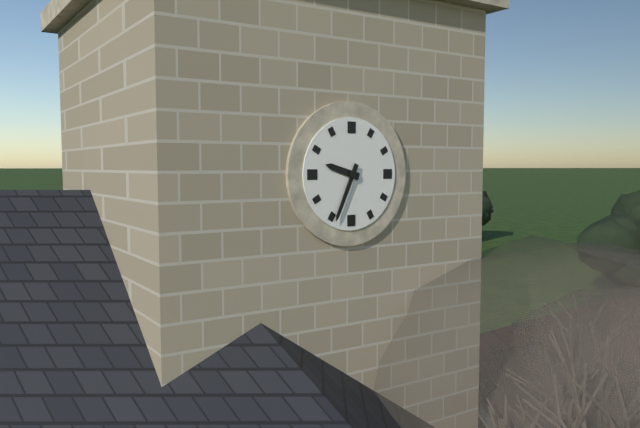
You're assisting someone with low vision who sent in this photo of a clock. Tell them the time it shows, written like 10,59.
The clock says 9,34
